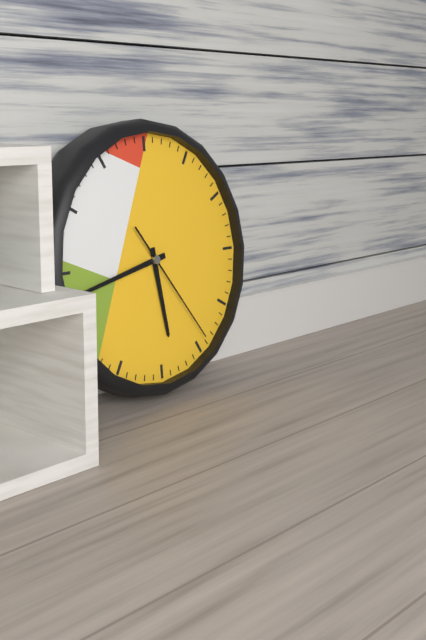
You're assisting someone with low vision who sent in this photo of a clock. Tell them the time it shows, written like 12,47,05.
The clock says 5,43,24
